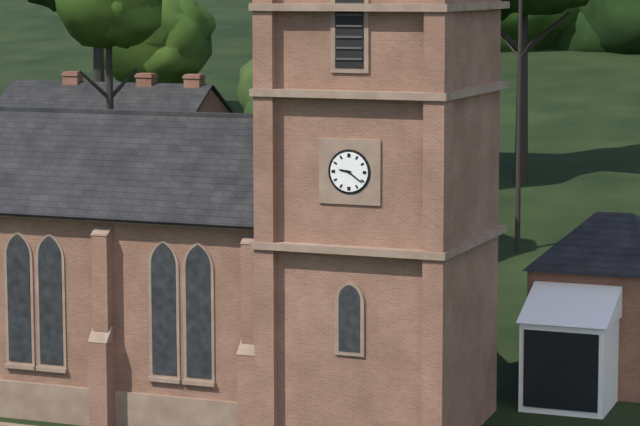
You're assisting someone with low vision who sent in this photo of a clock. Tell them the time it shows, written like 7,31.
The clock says 9,21
